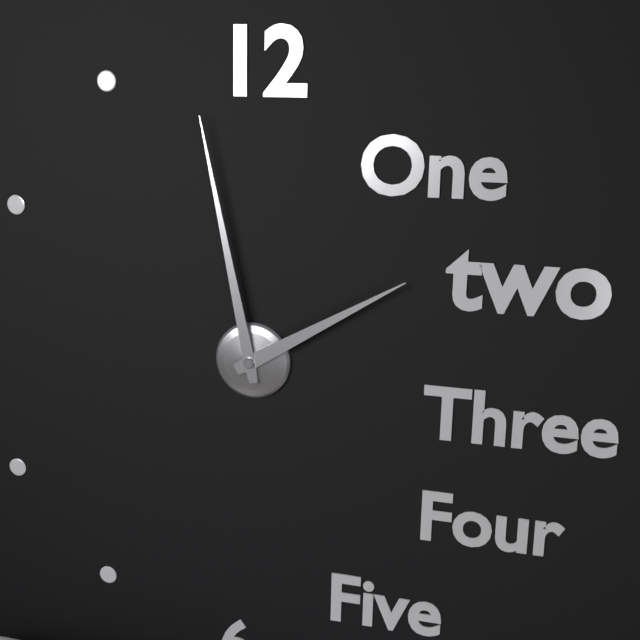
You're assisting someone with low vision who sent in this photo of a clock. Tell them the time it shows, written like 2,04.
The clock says 1,58
